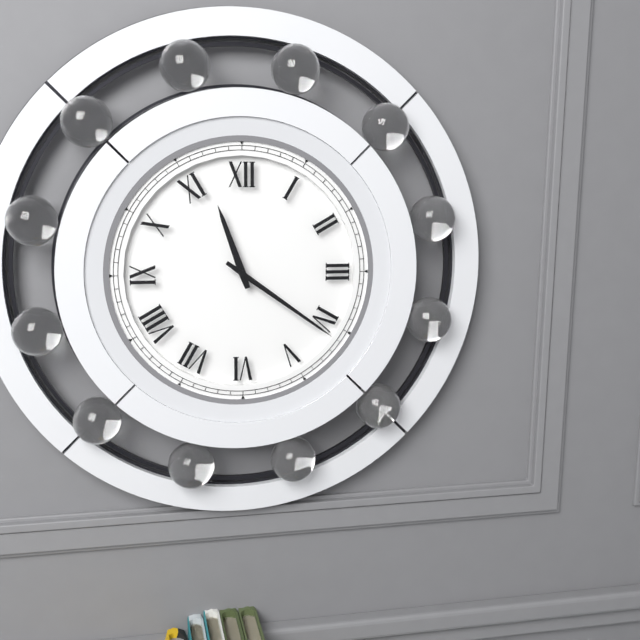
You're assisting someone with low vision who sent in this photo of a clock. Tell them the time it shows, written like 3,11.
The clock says 11,21
